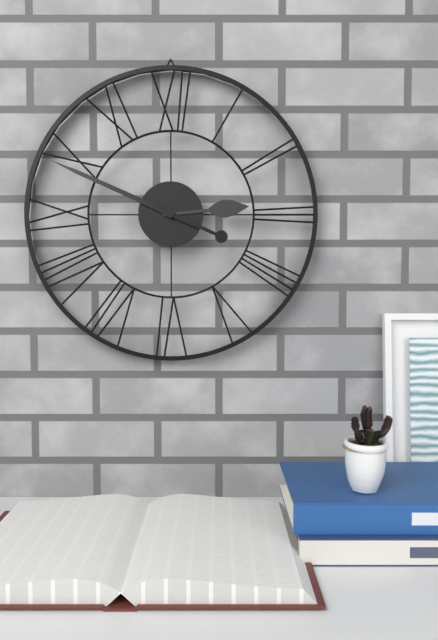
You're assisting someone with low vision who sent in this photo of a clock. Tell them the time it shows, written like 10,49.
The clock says 2,49
